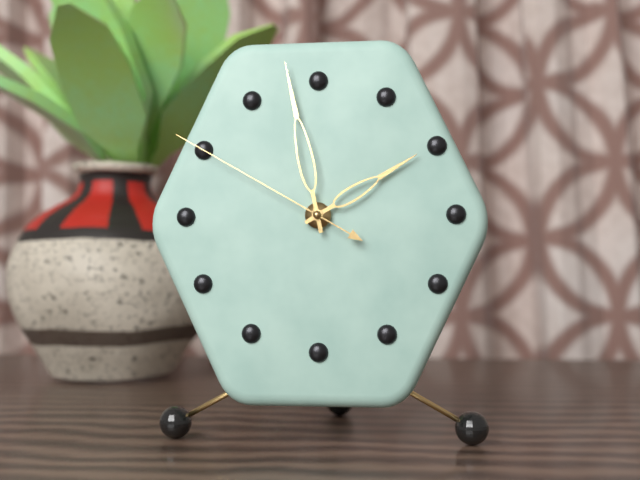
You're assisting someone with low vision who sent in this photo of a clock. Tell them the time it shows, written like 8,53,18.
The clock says 1,58,50
